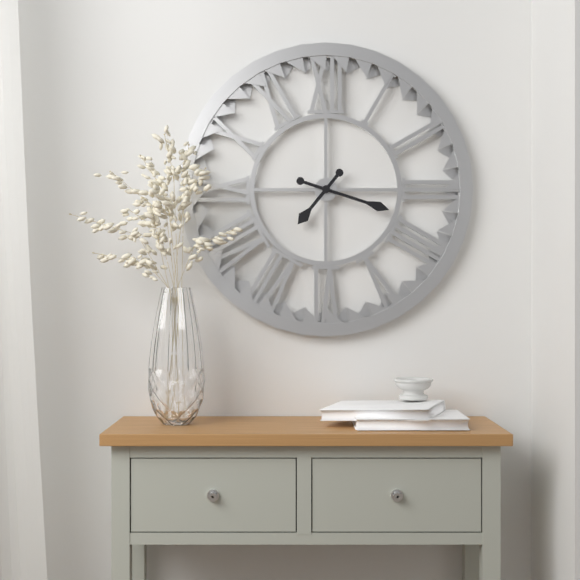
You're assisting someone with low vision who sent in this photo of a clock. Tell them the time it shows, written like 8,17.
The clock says 7,18
